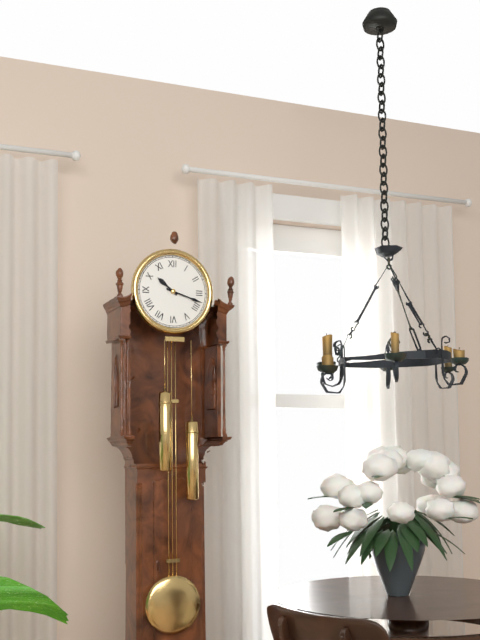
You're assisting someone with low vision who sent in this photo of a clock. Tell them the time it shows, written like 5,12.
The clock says 10,18
